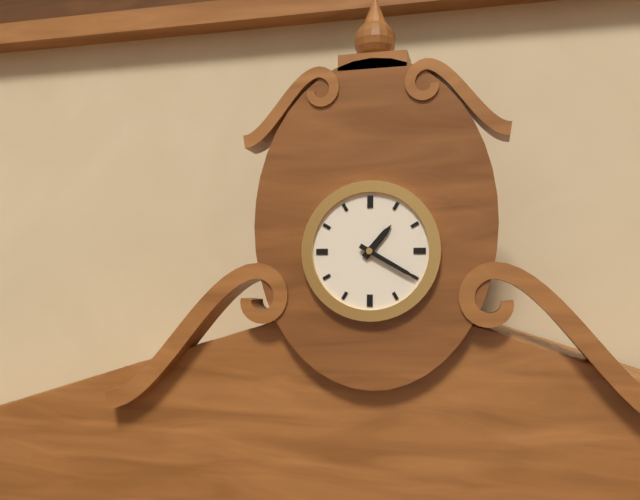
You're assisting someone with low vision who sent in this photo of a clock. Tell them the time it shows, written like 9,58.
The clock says 1,20
